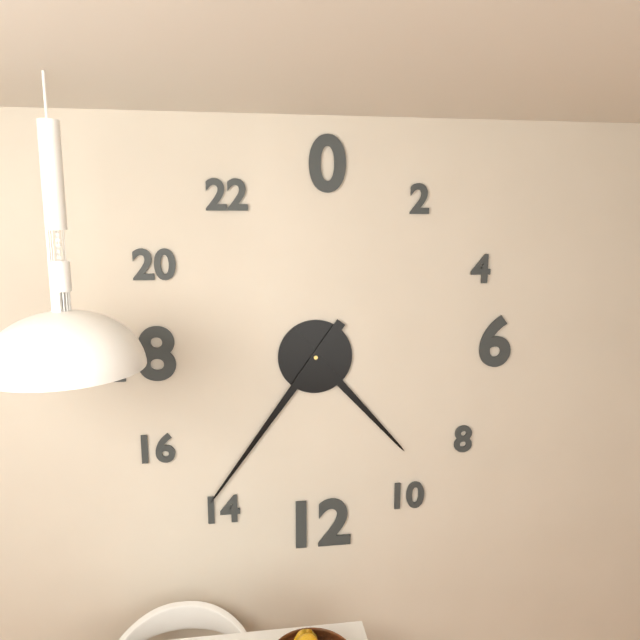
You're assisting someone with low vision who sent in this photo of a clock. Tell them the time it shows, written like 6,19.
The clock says 4,36
